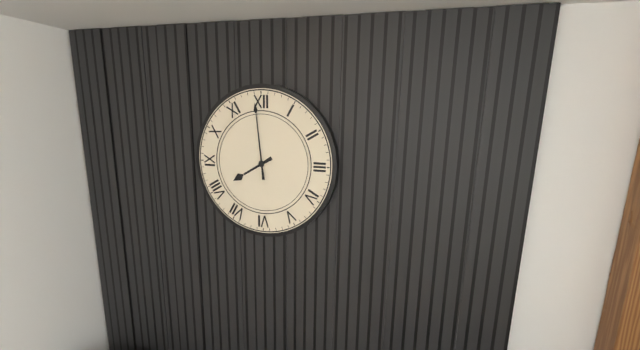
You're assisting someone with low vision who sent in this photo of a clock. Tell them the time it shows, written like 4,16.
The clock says 7,59
